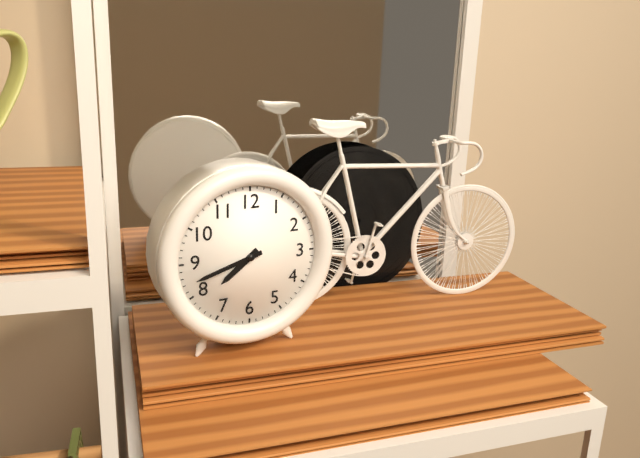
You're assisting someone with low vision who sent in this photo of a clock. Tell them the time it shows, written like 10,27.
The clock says 7,42
